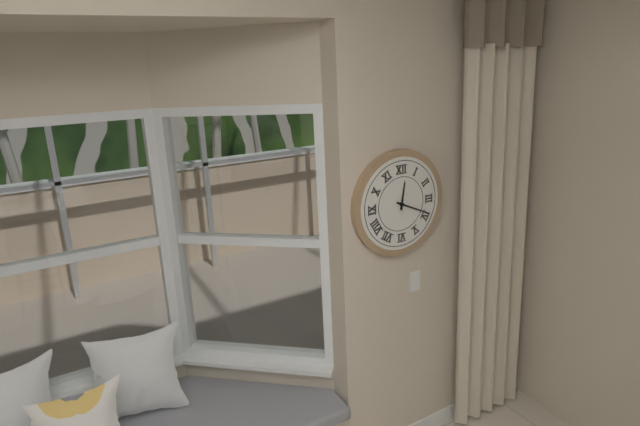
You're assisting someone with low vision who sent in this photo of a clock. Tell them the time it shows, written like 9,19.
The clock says 12,19
